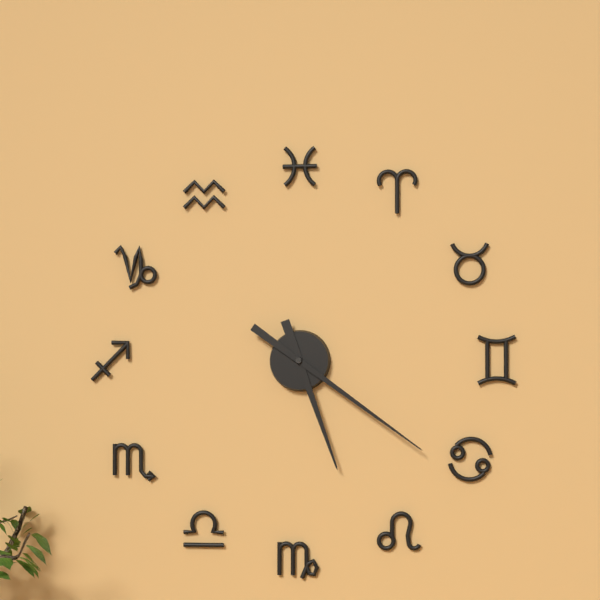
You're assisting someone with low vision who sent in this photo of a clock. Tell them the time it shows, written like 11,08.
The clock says 5,21
